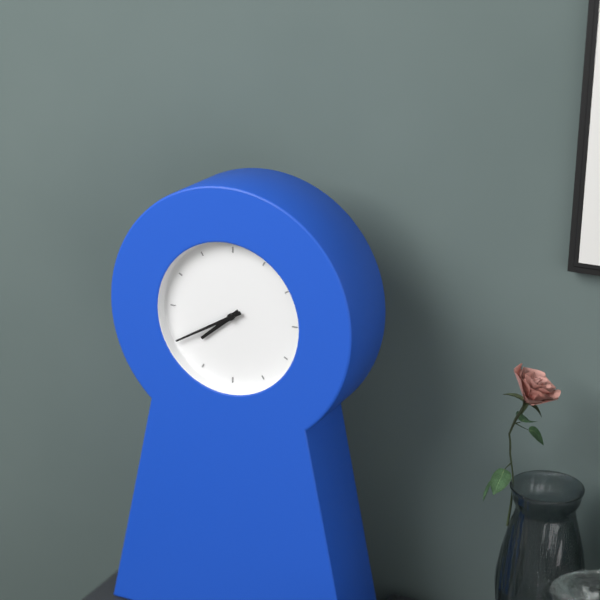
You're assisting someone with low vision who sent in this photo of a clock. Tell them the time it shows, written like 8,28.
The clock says 7,40
